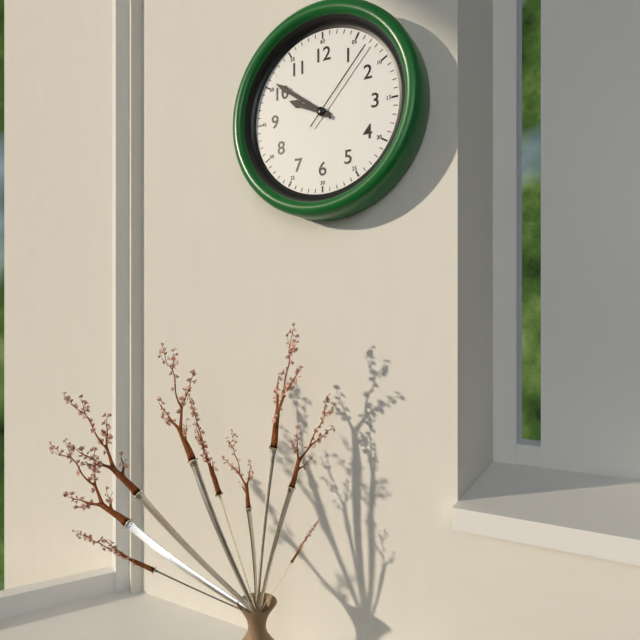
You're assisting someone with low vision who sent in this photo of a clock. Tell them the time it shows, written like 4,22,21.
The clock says 9,51,07
